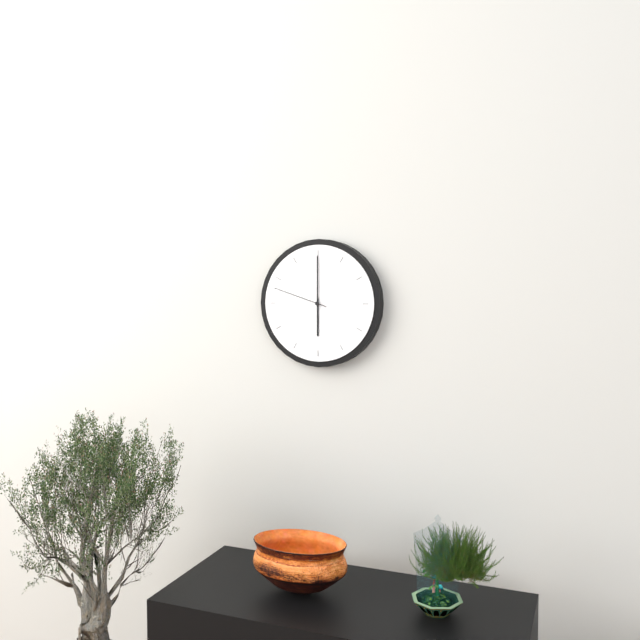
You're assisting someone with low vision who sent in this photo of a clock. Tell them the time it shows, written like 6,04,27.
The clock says 6,00,48
